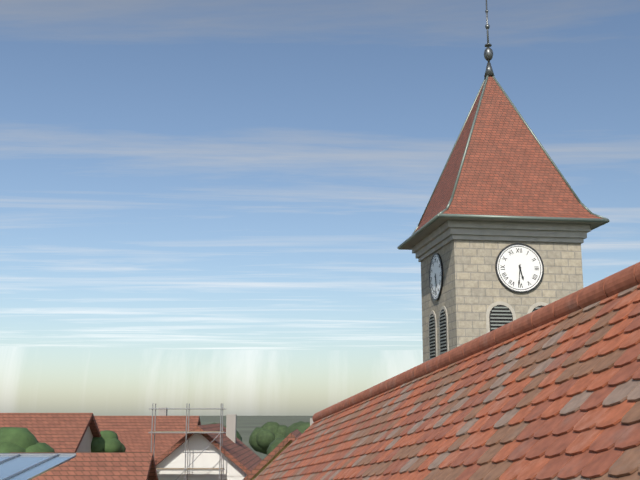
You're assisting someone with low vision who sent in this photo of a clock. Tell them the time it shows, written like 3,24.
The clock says 5,31
